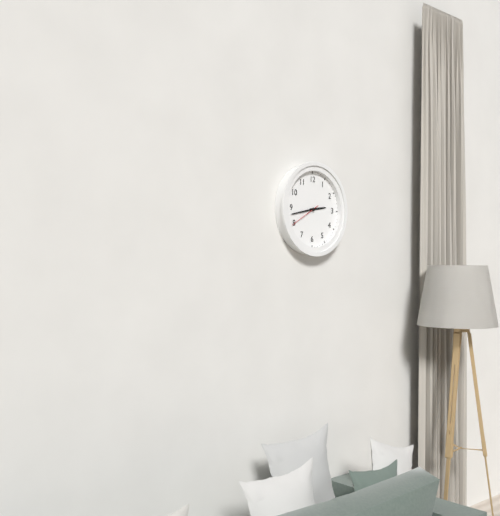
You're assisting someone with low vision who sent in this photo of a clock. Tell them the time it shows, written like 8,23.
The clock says 2,43
